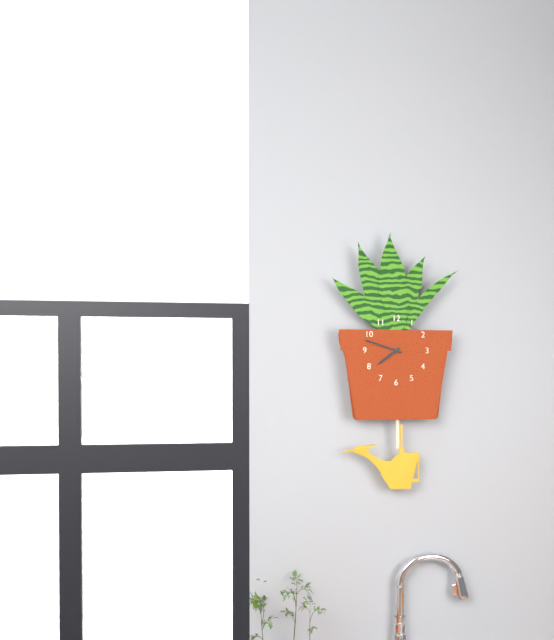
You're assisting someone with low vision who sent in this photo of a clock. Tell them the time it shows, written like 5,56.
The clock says 7,48
